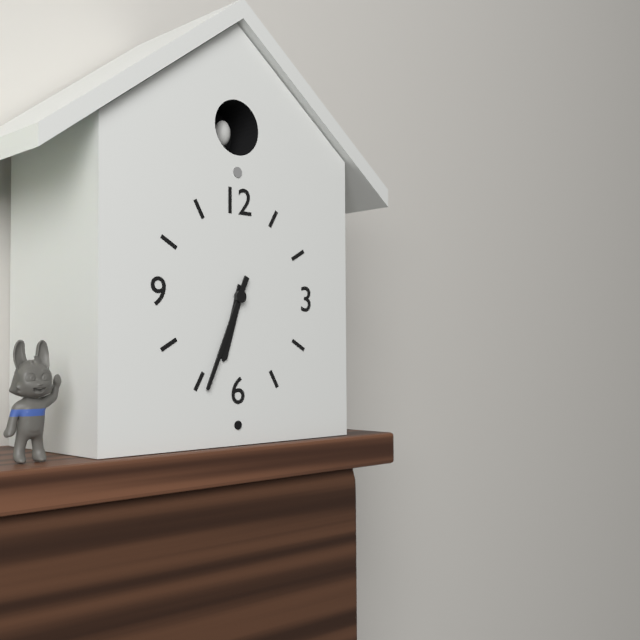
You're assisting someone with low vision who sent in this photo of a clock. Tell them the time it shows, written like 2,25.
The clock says 6,34
